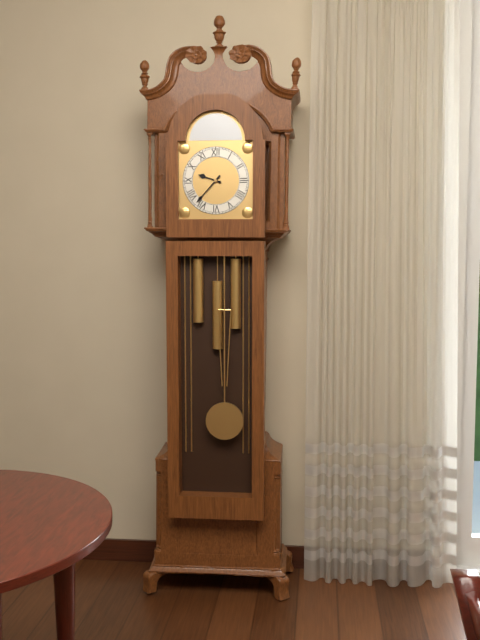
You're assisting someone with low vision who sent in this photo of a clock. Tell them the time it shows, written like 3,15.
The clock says 9,37
